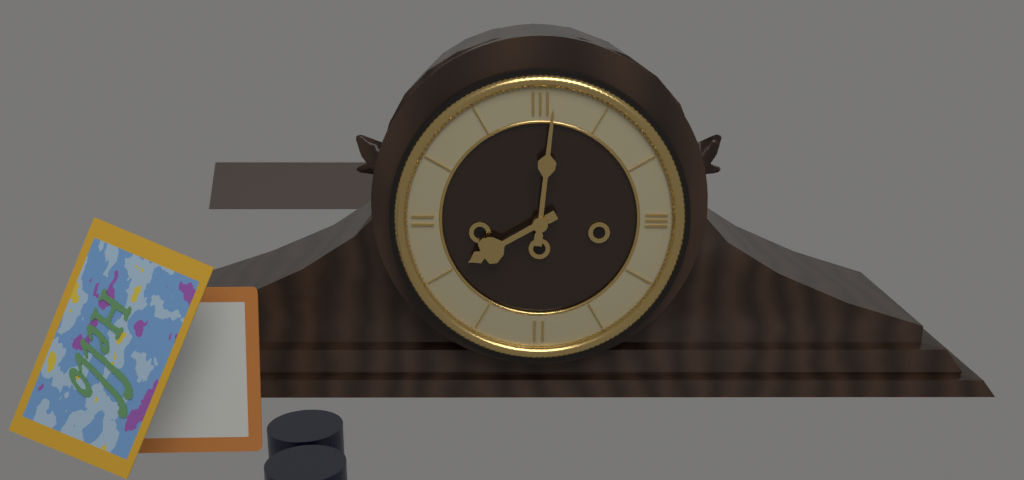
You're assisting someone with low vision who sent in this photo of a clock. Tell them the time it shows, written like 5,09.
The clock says 8,01
